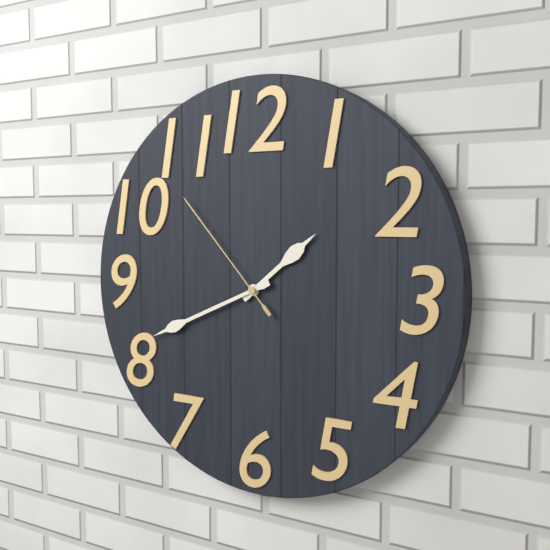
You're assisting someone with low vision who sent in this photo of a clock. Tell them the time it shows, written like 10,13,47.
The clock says 1,41,53
